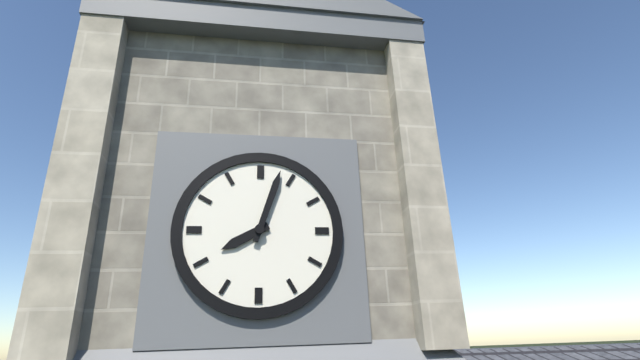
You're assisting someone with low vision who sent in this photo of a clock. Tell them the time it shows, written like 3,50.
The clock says 8,03
